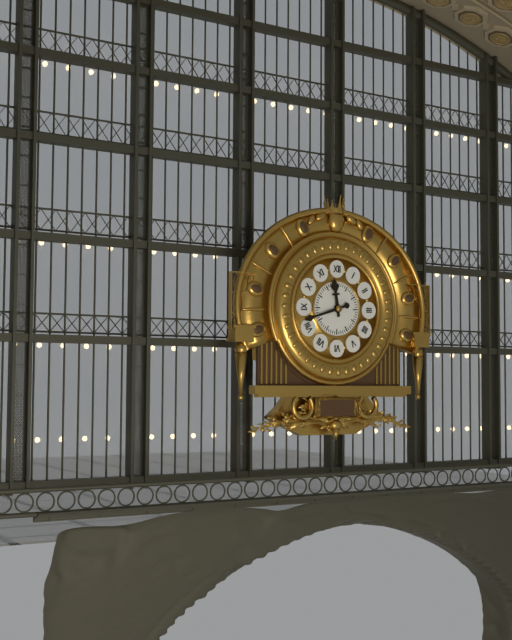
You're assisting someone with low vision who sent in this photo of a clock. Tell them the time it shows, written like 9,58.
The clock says 11,42
